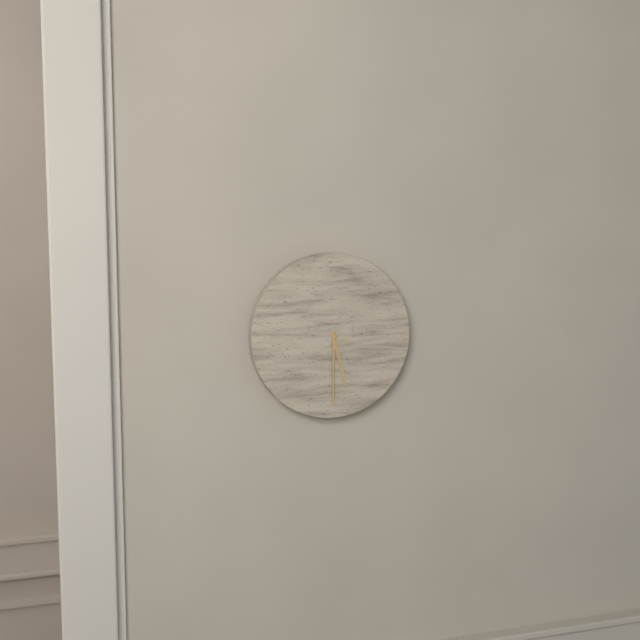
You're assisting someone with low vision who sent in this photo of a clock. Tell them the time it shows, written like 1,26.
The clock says 5,30
